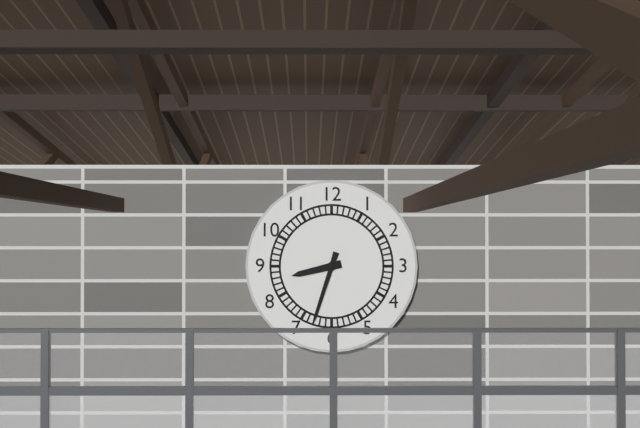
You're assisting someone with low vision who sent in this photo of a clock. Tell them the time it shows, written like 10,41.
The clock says 8,33
